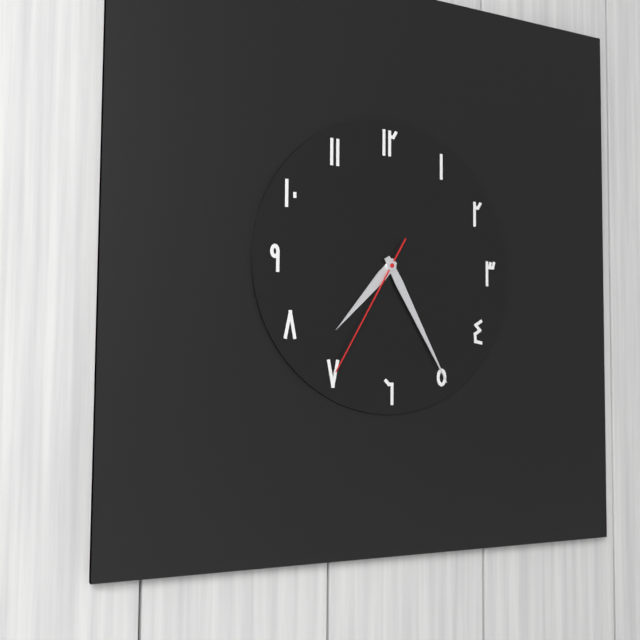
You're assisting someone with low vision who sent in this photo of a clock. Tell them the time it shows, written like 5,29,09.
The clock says 7,25,35
